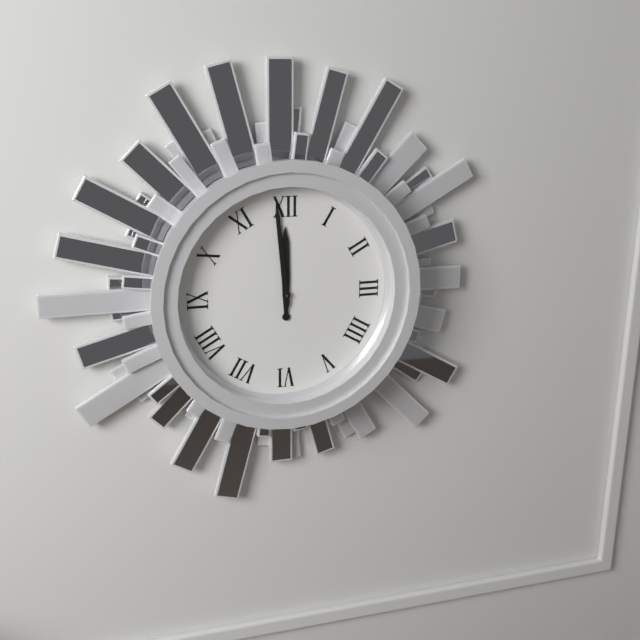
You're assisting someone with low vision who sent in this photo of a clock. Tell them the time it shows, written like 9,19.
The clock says 11,59
